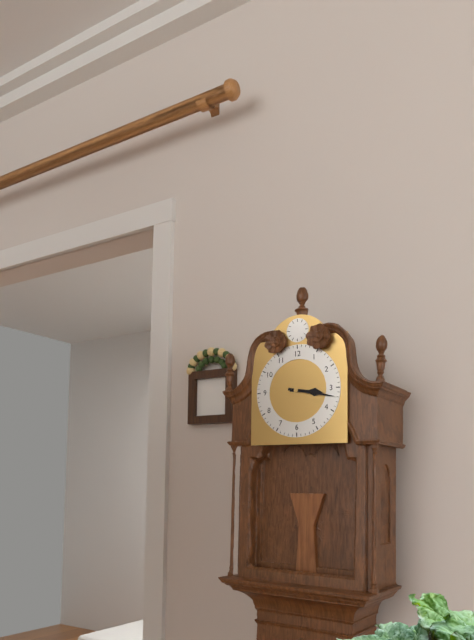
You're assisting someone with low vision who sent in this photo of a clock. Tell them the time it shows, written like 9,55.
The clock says 3,17
